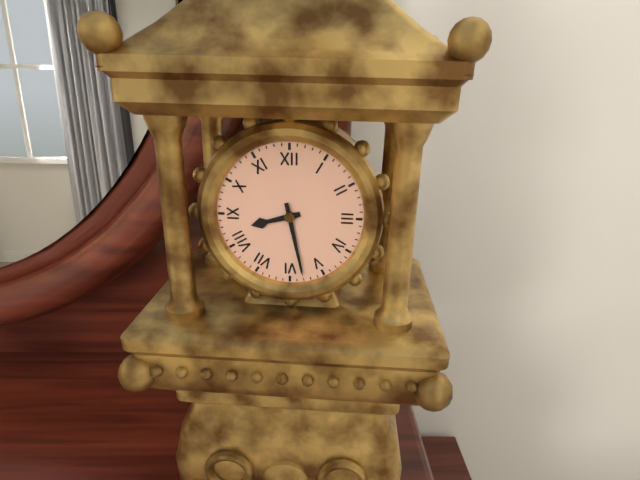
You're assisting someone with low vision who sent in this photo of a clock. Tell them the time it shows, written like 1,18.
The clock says 8,28
